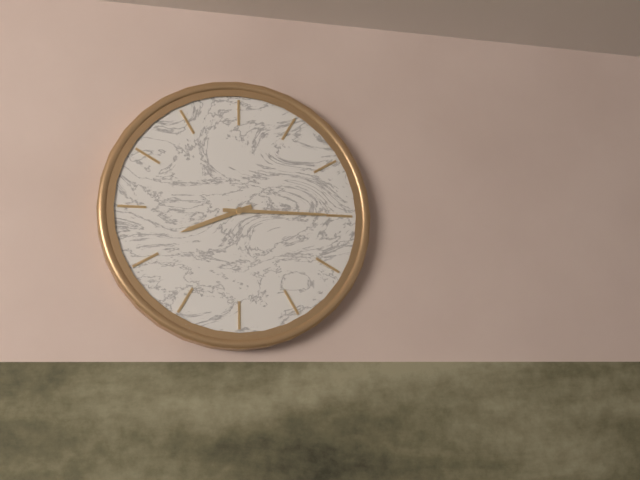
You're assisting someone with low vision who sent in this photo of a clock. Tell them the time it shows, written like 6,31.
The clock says 8,15
